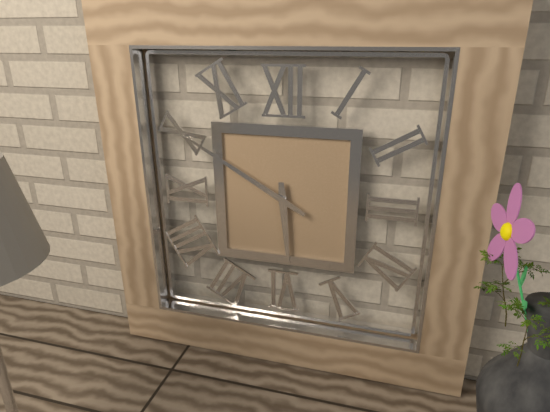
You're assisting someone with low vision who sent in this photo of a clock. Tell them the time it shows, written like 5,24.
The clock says 5,50
